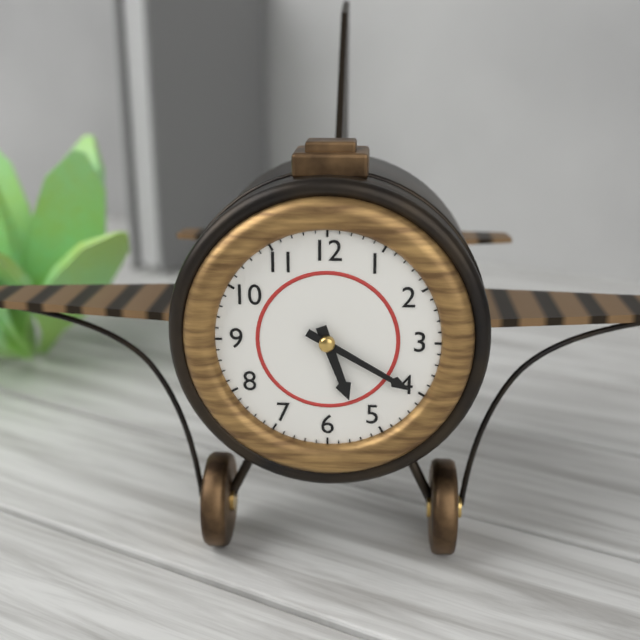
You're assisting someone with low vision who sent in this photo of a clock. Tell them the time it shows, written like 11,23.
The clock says 5,20
